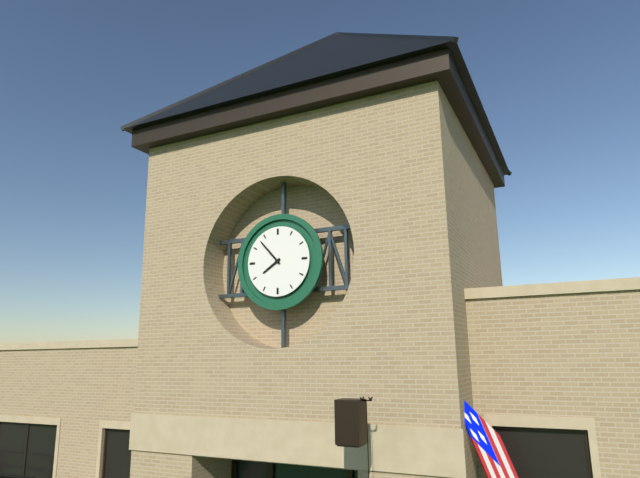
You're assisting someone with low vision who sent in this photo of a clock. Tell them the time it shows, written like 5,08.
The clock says 7,53
